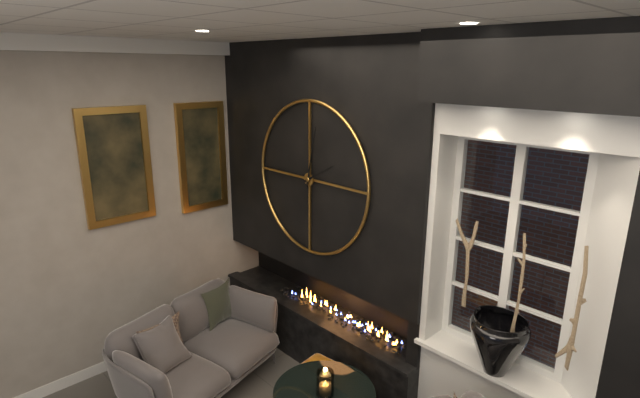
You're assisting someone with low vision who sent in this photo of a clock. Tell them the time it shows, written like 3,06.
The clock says 2,02
